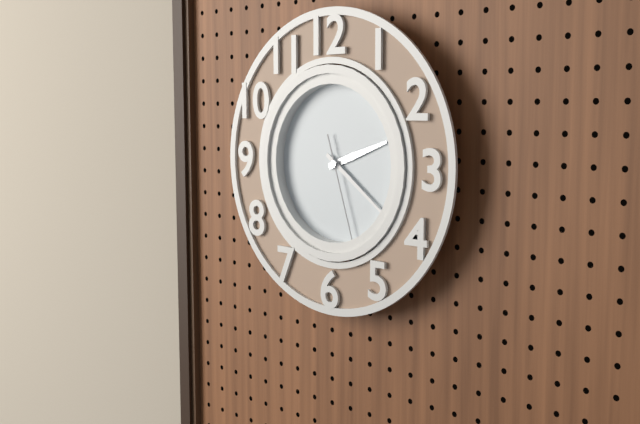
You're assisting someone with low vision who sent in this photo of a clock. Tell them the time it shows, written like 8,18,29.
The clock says 2,21,27
